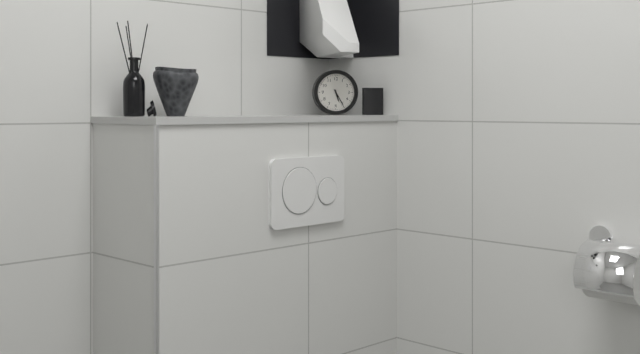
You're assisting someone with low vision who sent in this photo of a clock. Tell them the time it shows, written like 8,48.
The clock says 5,25
